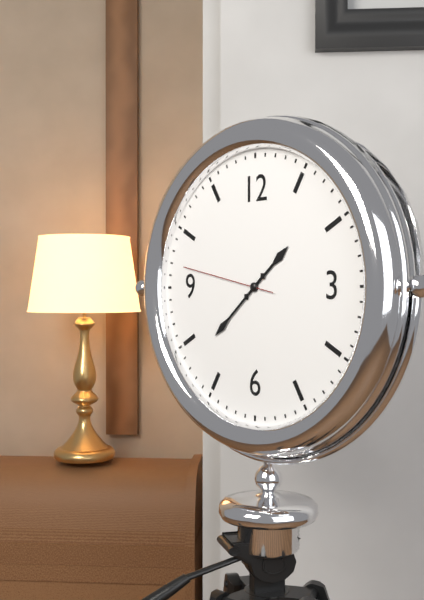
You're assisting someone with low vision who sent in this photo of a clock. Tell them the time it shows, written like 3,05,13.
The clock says 1,38,47
